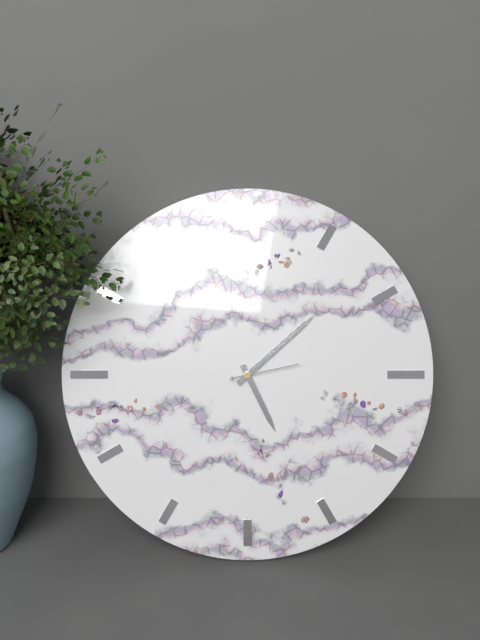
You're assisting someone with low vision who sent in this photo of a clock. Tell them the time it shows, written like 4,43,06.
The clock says 5,08,13
